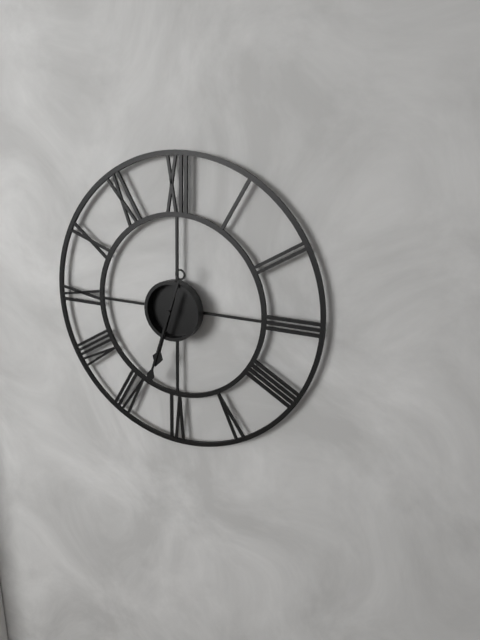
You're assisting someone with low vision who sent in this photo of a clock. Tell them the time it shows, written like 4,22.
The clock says 6,33
